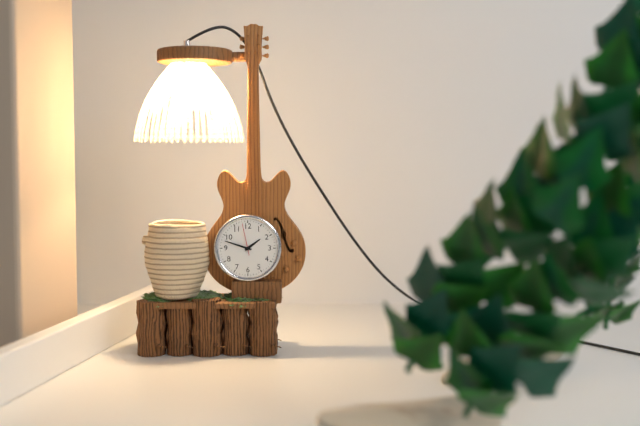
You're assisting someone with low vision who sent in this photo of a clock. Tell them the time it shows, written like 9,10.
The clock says 1,48
